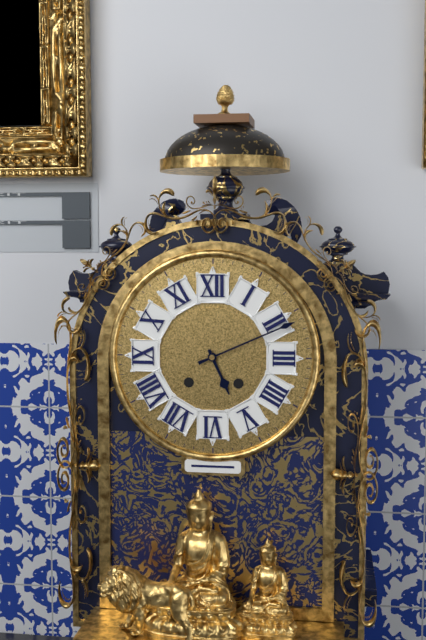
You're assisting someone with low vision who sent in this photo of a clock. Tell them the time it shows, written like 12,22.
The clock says 5,11
